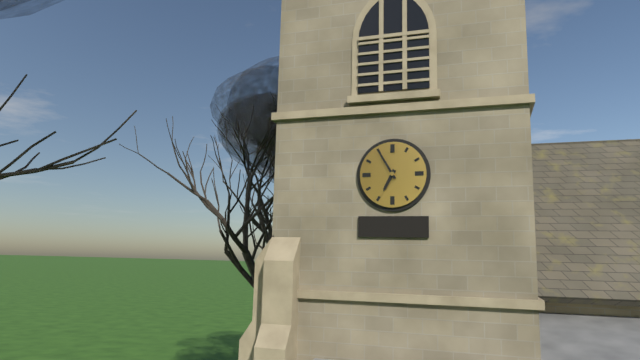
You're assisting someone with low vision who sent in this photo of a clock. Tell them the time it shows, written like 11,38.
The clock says 6,55
